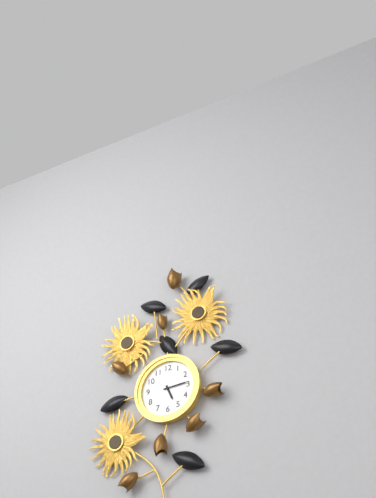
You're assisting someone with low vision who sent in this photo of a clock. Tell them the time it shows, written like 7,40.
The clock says 5,14
